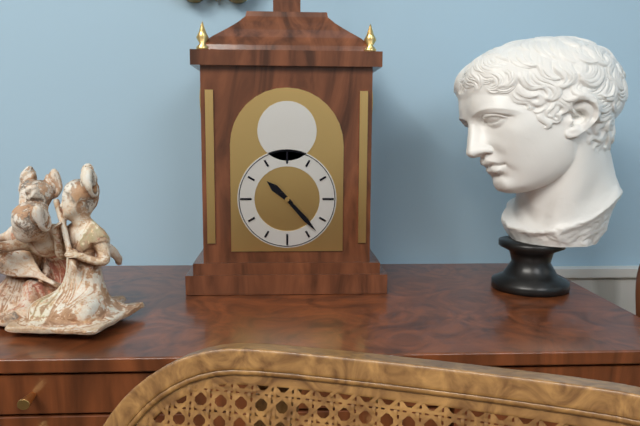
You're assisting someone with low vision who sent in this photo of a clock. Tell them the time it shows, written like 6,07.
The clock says 10,23
